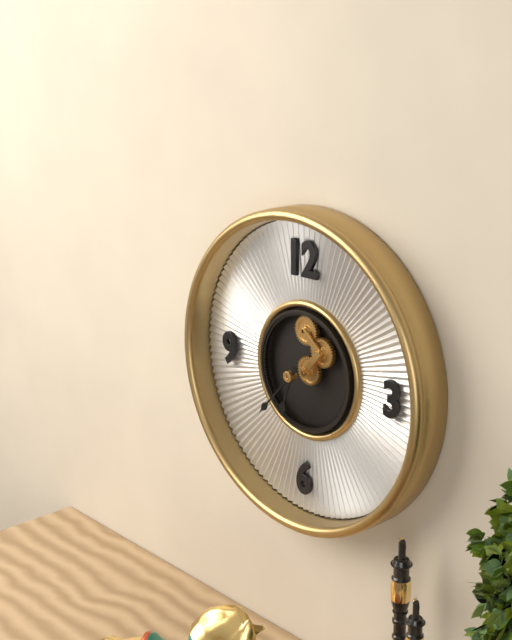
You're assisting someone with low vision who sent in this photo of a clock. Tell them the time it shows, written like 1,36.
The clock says 6,37
